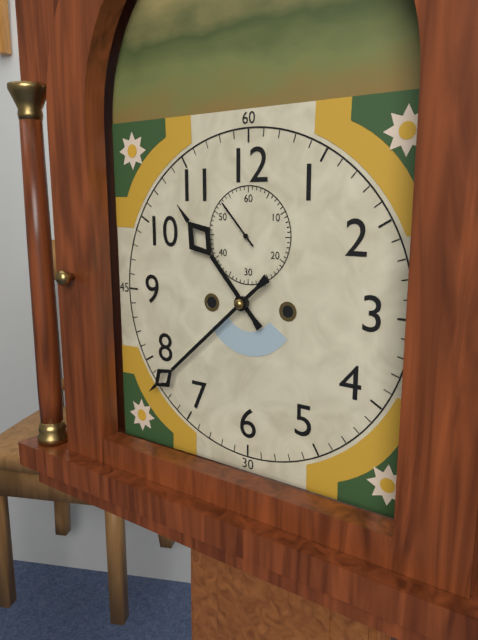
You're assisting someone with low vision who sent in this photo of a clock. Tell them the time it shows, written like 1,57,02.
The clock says 10,38,53
